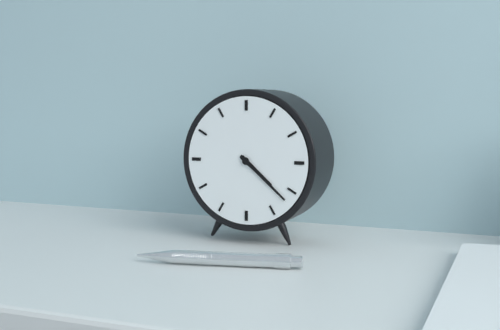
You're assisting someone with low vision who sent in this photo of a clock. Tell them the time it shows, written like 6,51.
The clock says 4,22
